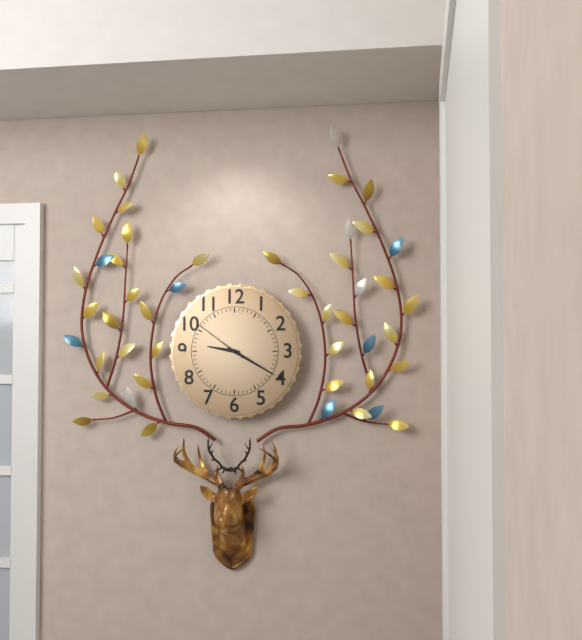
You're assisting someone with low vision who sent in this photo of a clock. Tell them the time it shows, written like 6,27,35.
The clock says 9,20,51
